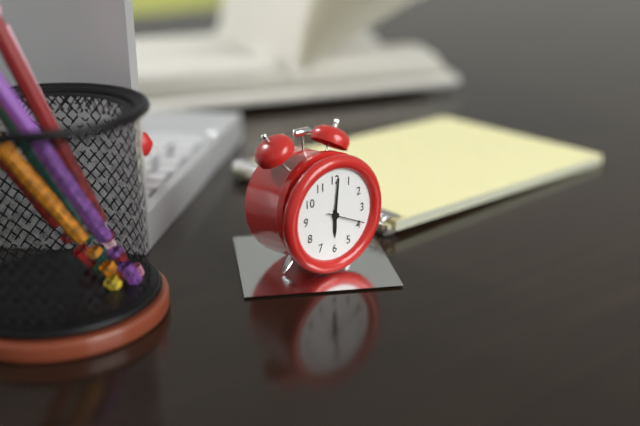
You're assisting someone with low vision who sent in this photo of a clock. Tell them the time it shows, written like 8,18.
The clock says 6,01
